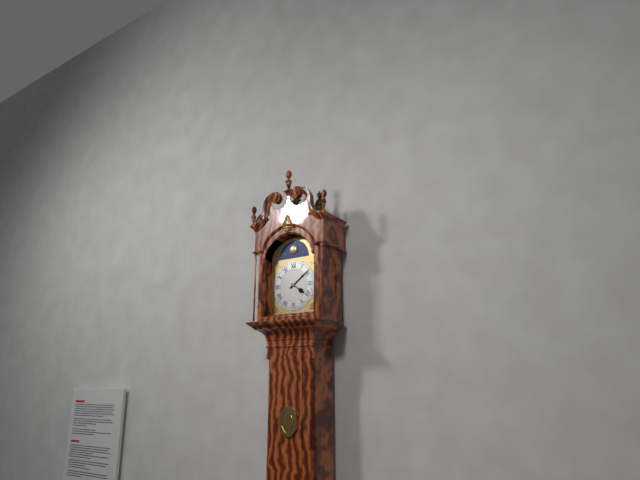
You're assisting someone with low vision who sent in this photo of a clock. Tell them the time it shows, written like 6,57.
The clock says 4,09
